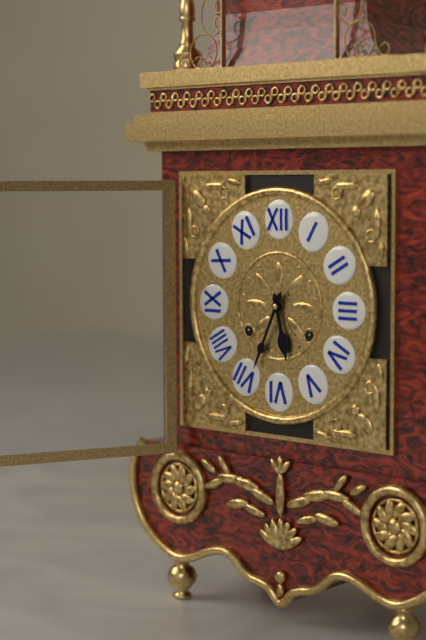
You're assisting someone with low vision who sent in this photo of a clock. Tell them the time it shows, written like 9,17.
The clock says 5,34
